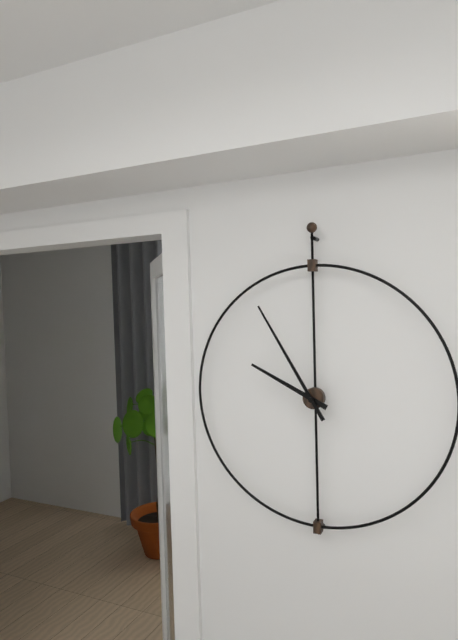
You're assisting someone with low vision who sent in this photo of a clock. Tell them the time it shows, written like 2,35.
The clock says 9,55
